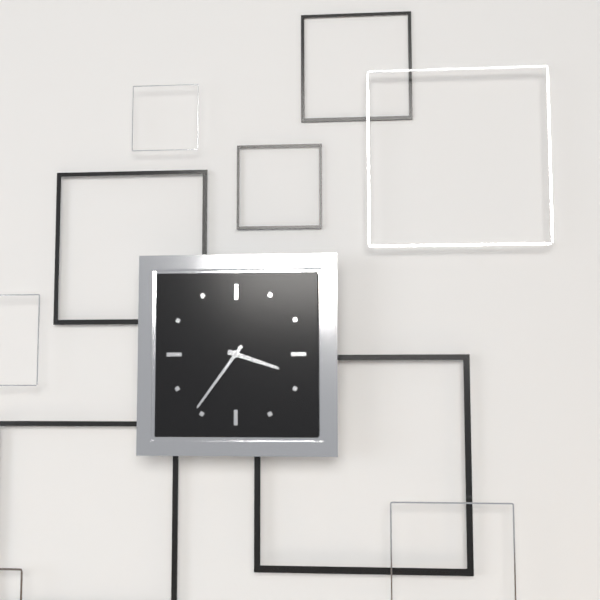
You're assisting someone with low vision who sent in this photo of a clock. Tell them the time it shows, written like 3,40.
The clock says 3,36
